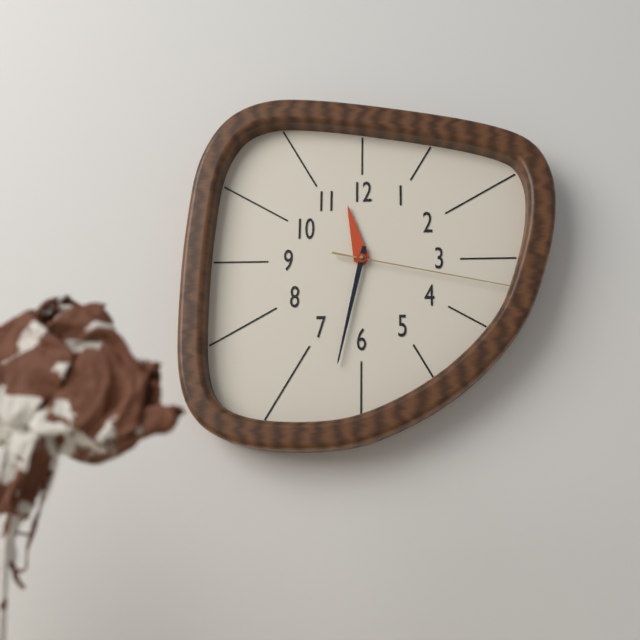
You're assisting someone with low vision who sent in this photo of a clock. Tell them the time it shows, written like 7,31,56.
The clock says 11,32,17
